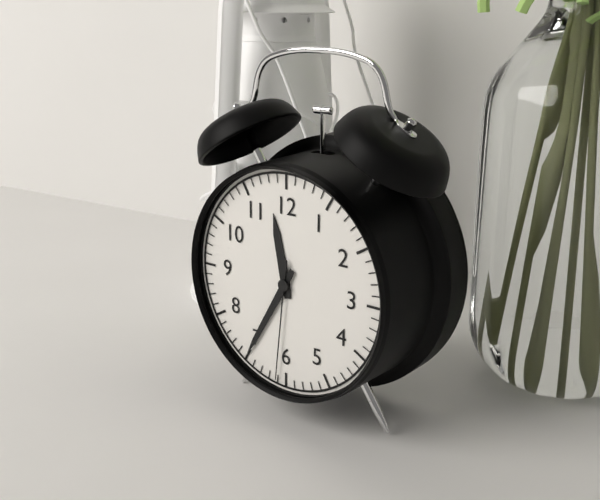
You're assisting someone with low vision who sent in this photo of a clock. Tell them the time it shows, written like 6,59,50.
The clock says 11,35,31
